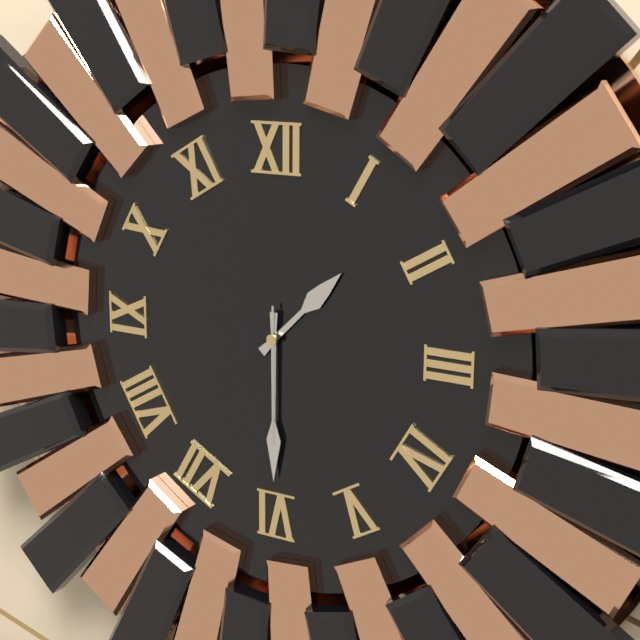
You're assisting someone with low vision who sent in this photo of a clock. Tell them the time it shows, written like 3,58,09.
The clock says 1,30,30
